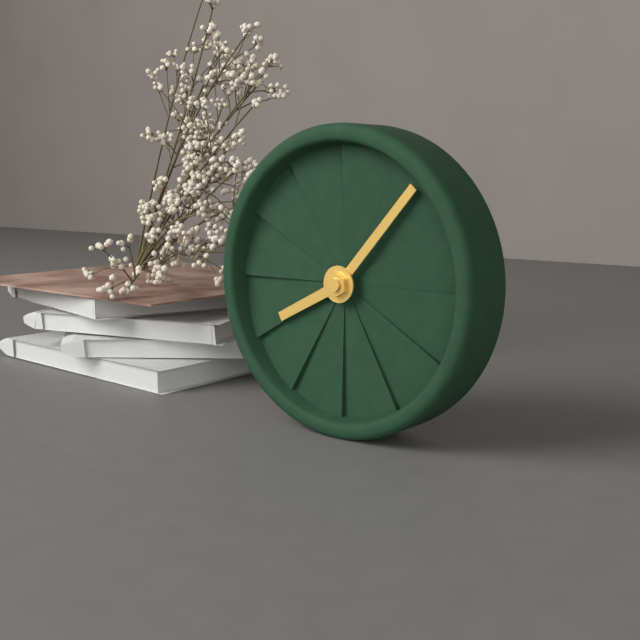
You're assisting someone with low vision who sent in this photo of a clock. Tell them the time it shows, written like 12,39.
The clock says 8,07
